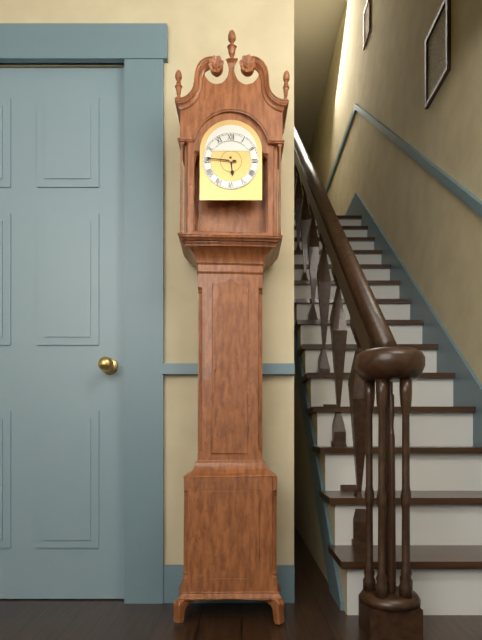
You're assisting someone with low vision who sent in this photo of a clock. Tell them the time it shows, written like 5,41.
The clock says 5,46
